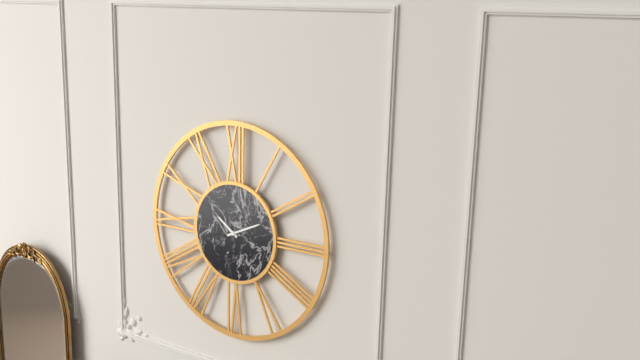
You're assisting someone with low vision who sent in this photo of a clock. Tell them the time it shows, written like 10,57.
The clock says 10,11
